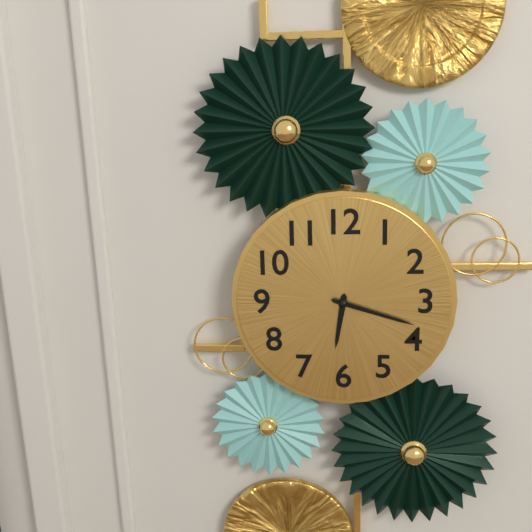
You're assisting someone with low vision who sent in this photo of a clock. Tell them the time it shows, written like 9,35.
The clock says 6,18
